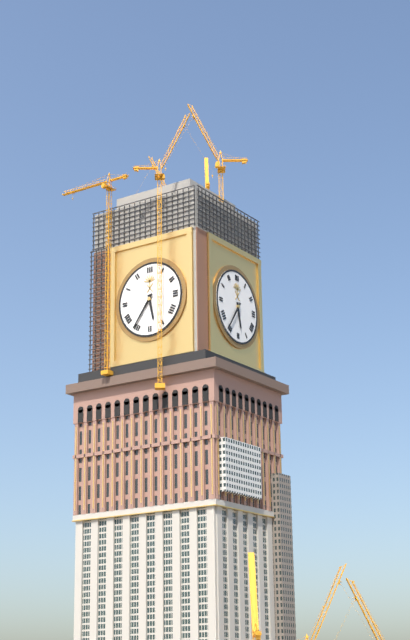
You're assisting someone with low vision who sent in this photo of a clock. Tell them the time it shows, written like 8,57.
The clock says 5,36
